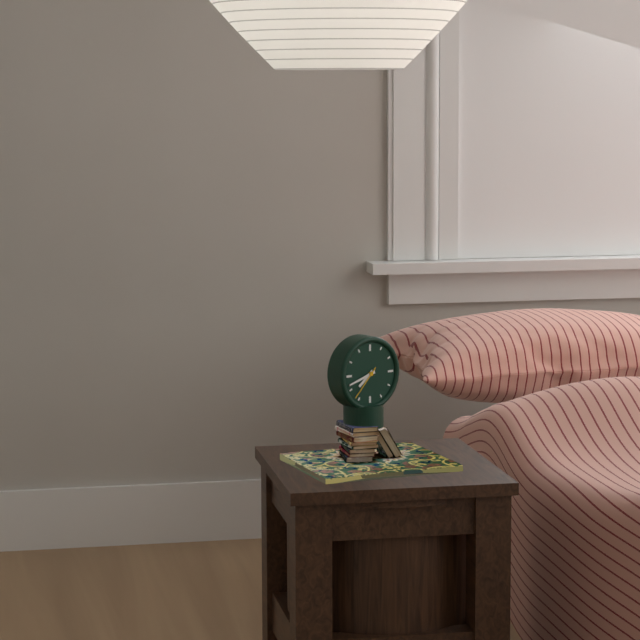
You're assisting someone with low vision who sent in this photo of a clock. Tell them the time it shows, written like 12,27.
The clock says 7,42
